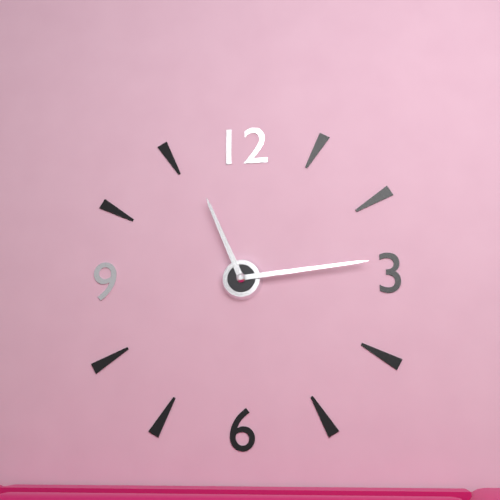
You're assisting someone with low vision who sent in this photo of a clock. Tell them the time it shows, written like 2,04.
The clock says 11,14
